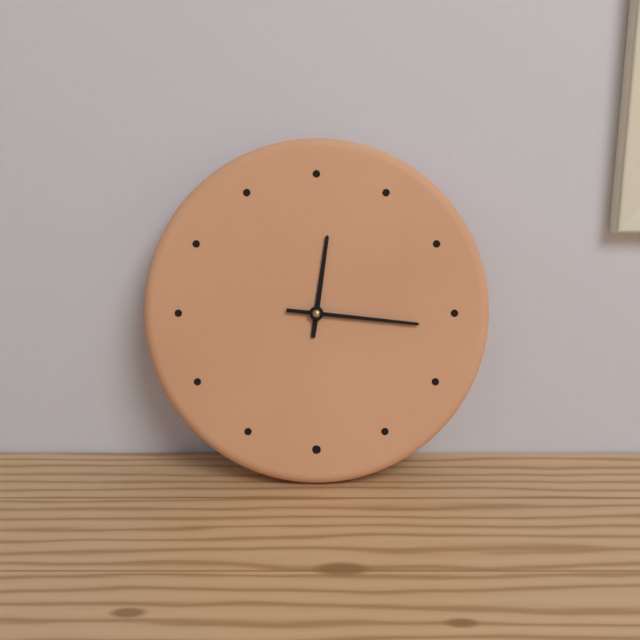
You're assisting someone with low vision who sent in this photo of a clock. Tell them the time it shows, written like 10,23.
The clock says 12,16
